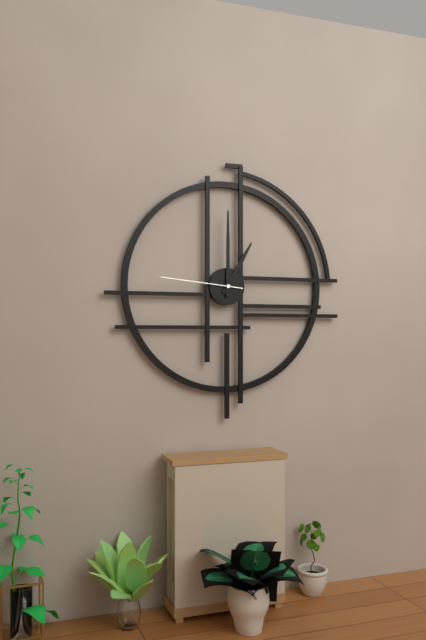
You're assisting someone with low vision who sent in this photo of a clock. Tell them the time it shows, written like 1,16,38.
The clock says 1,00,46
